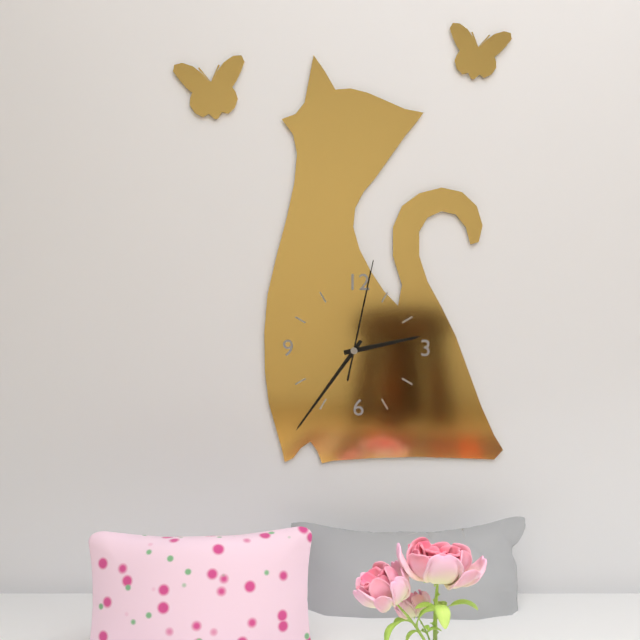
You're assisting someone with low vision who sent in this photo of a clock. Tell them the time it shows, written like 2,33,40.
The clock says 2,36,02
